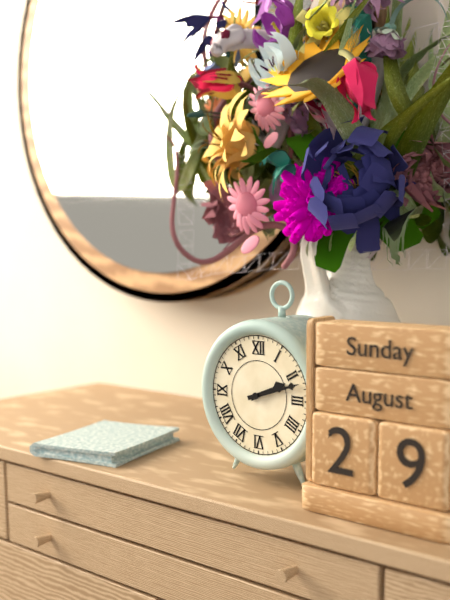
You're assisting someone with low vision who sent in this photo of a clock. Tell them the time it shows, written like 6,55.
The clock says 2,12
